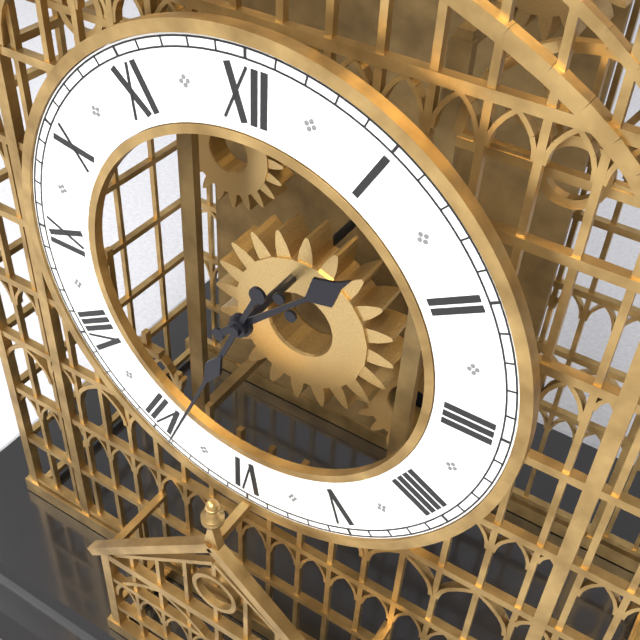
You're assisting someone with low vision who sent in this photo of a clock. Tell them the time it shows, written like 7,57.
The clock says 1,34
